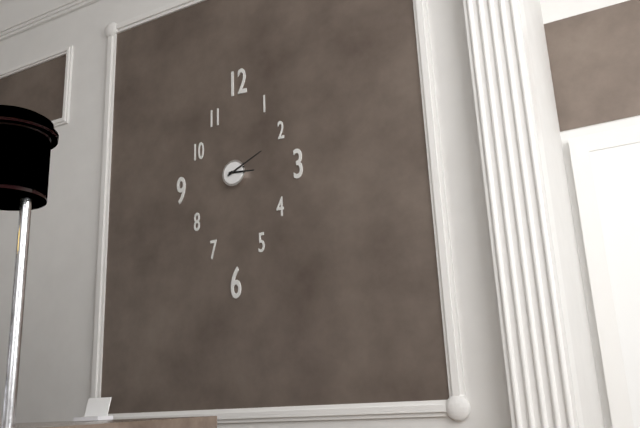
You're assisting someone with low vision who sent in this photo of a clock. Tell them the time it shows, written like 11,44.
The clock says 3,11
